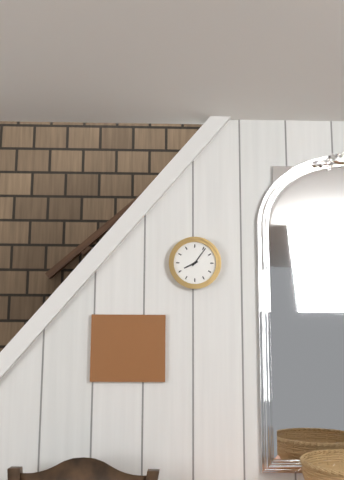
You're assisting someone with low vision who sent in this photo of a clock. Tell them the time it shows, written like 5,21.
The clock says 8,06
